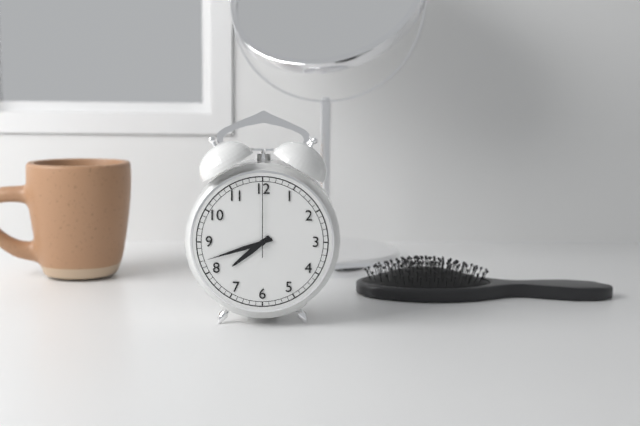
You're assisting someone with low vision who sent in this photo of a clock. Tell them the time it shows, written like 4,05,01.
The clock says 7,42,00
